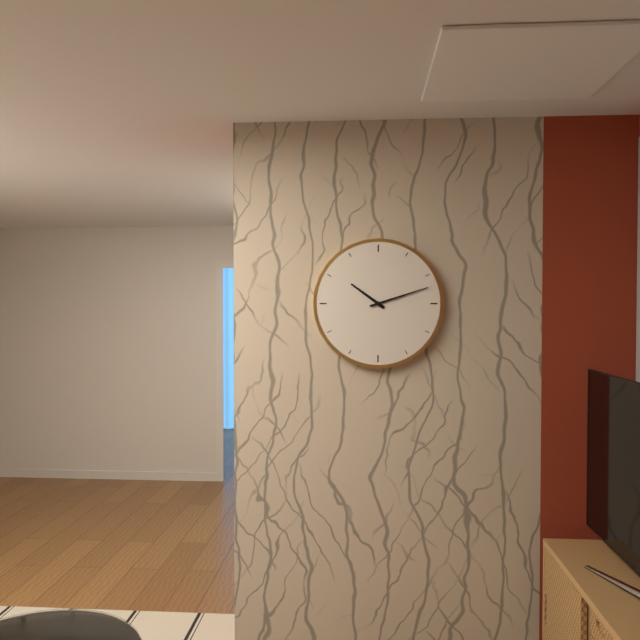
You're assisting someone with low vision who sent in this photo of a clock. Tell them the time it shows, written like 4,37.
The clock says 10,12
